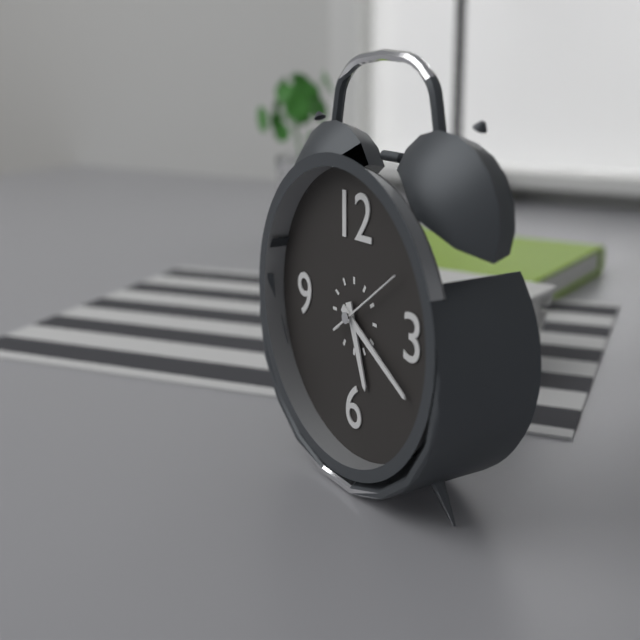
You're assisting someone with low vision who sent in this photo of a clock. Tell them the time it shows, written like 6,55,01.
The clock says 5,20,09
